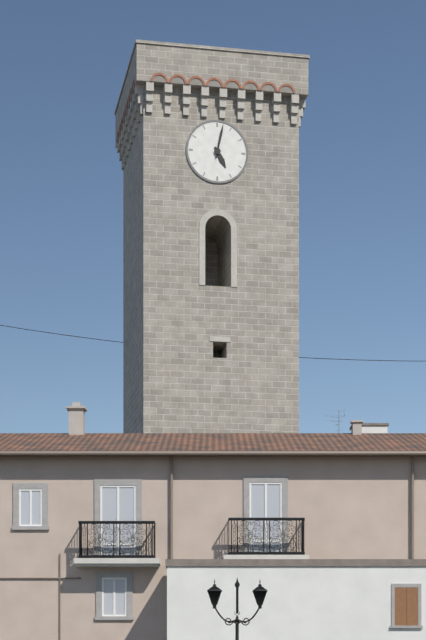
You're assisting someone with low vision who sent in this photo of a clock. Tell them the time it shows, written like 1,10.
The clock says 5,02
